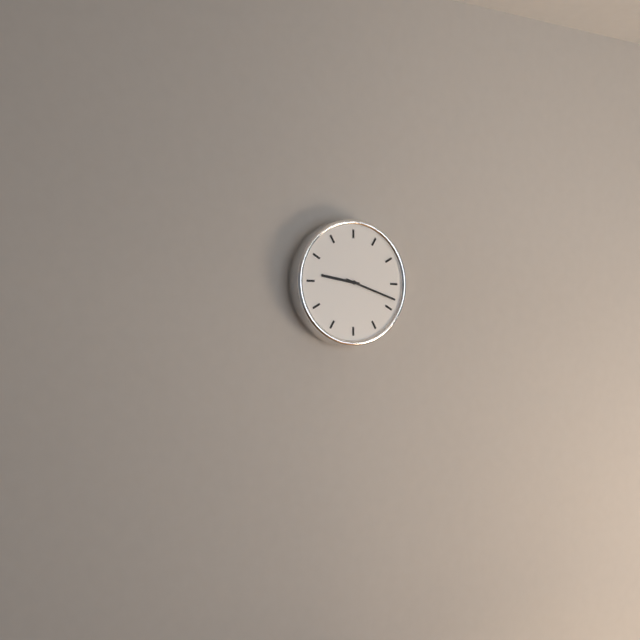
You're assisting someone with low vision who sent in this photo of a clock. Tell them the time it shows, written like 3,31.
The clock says 9,18
